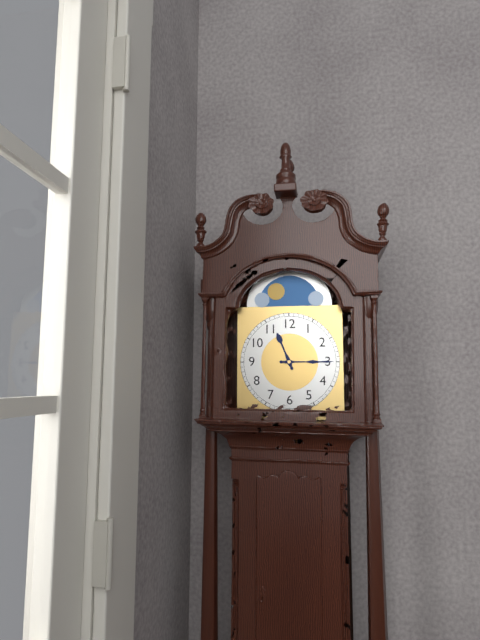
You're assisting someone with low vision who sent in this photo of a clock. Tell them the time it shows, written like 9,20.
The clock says 11,15
